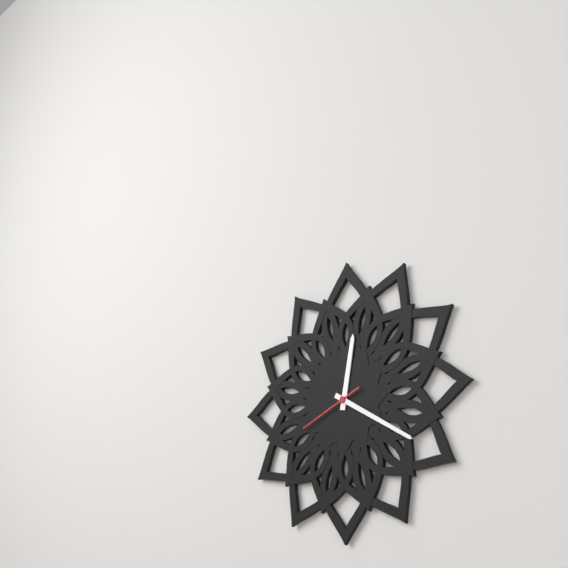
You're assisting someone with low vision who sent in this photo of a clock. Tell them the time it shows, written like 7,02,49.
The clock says 12,20,41
